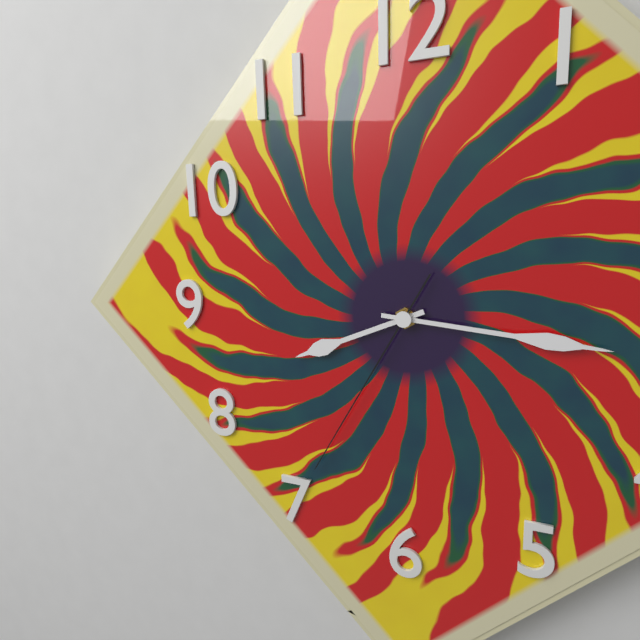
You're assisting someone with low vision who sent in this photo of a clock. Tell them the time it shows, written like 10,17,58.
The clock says 8,16,35
